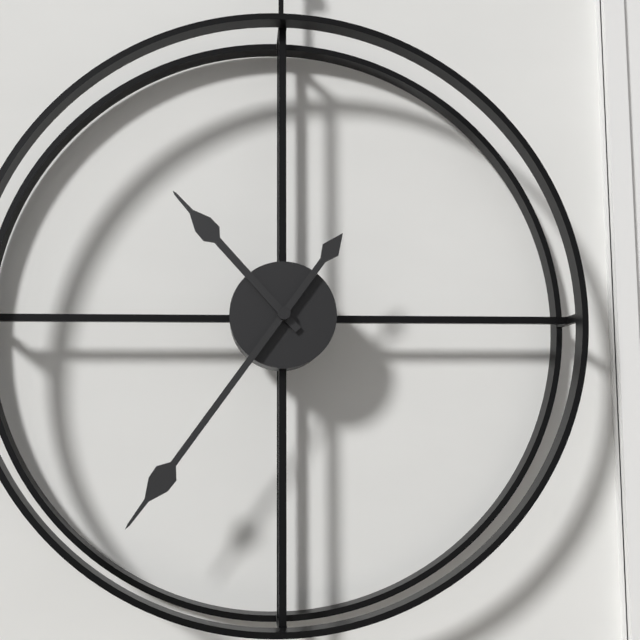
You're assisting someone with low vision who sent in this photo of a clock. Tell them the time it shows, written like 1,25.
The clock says 10,36
